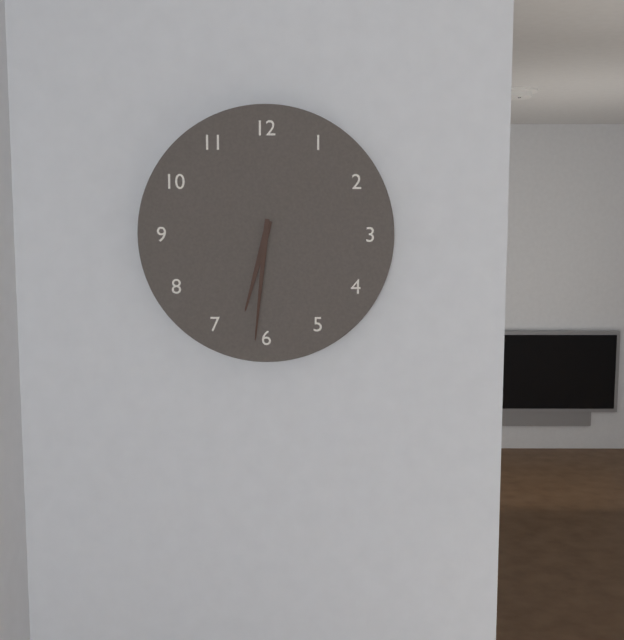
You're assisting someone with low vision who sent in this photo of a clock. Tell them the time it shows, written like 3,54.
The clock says 6,31
